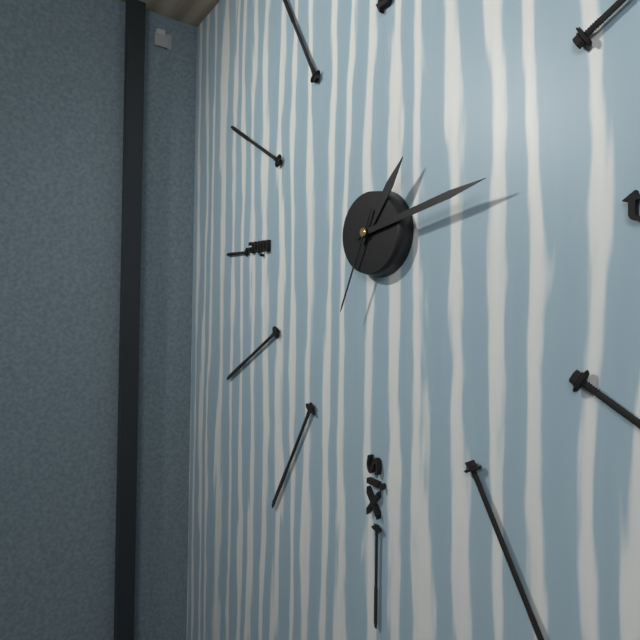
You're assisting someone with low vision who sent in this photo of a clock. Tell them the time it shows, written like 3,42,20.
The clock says 1,13,34
